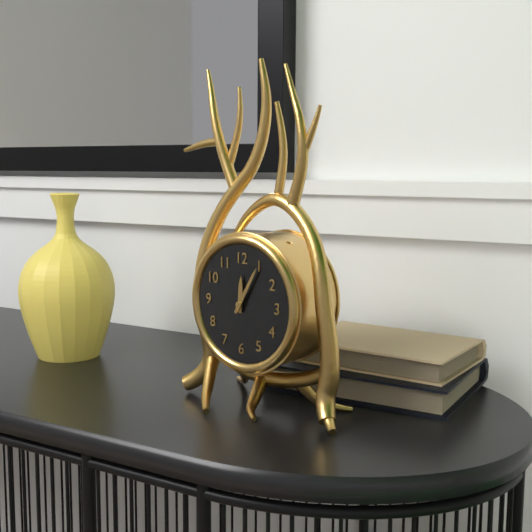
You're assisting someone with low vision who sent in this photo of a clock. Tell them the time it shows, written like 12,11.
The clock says 12,05
